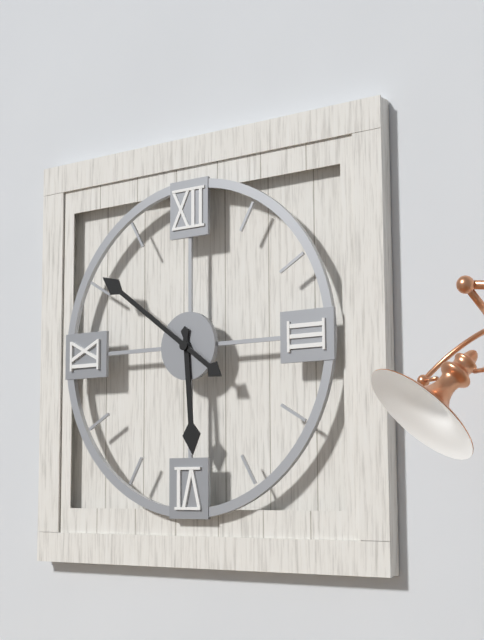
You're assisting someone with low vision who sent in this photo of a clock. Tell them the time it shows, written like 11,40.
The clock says 5,51
